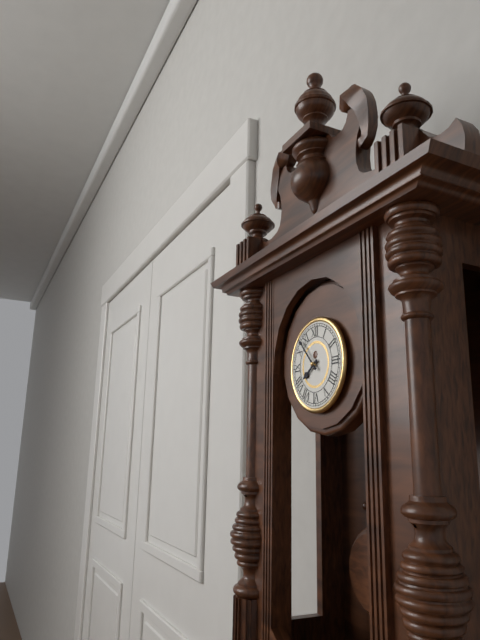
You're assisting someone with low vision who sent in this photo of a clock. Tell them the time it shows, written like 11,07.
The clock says 7,53
